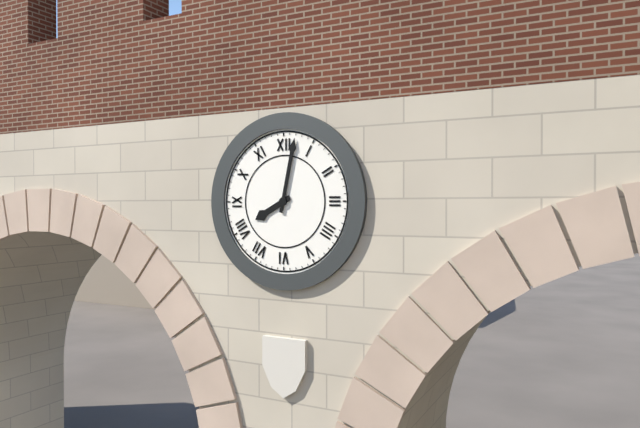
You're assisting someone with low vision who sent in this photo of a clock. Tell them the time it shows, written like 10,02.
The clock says 8,02
